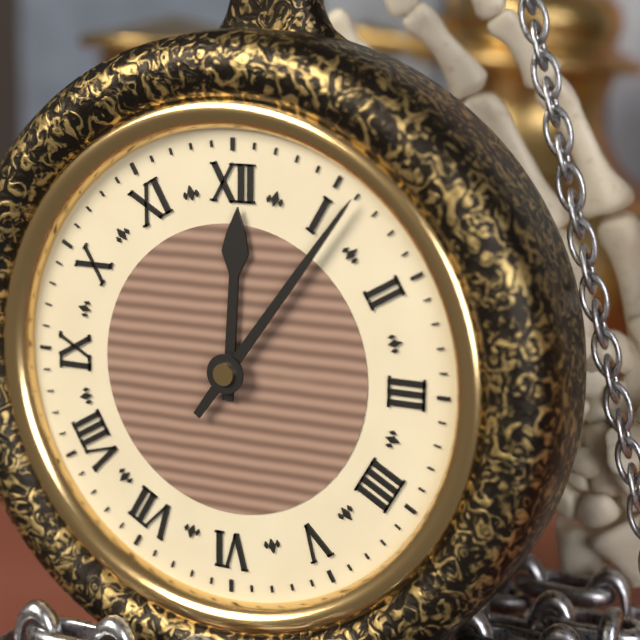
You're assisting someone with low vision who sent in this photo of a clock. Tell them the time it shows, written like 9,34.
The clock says 12,06
